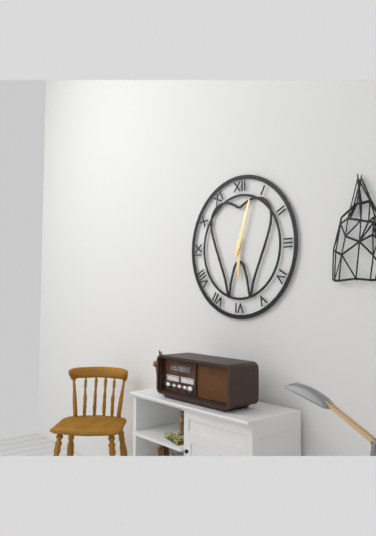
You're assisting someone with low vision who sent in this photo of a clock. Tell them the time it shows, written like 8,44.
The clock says 6,03
